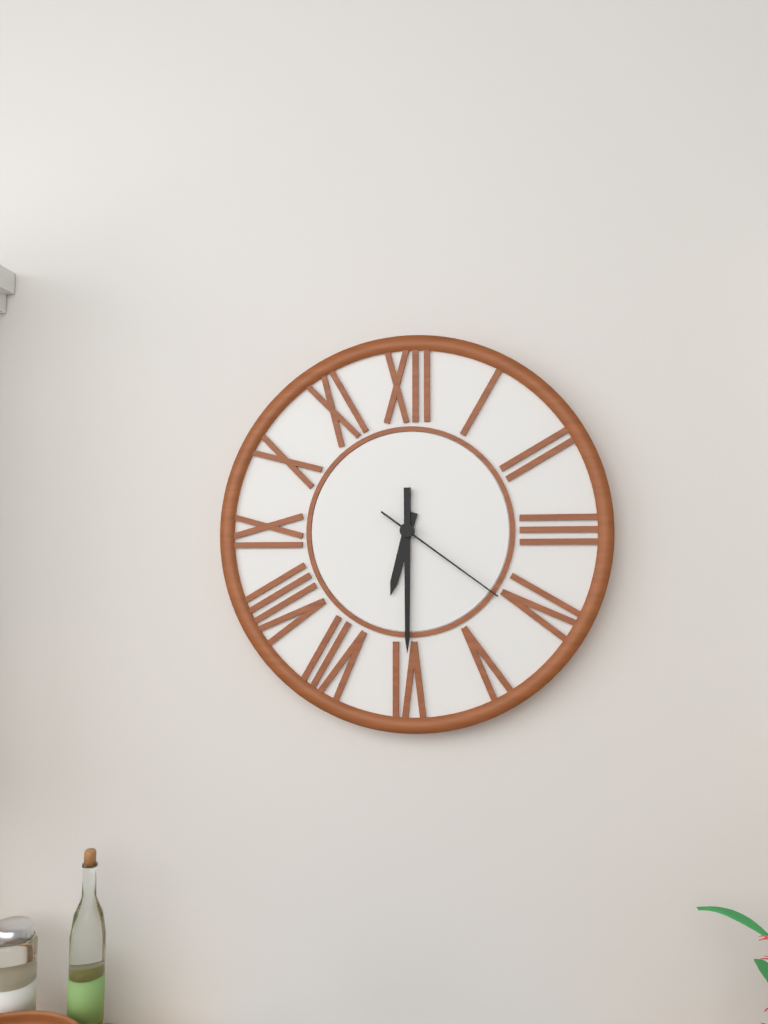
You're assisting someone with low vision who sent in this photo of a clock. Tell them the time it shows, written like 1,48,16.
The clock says 6,30,21
